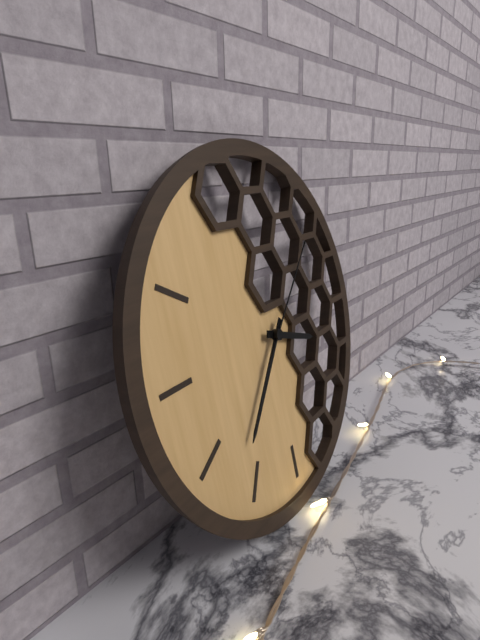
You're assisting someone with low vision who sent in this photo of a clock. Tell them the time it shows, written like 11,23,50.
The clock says 3,37,08
